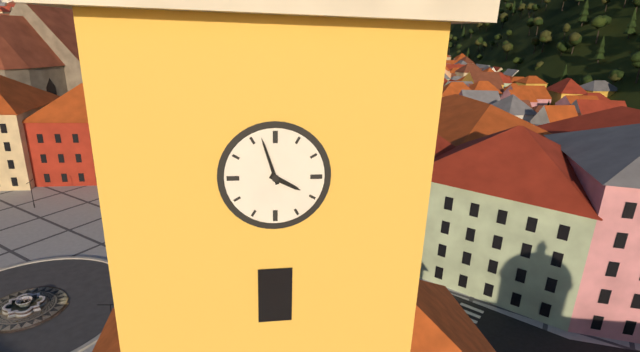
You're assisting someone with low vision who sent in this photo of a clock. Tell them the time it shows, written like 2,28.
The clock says 3,57
